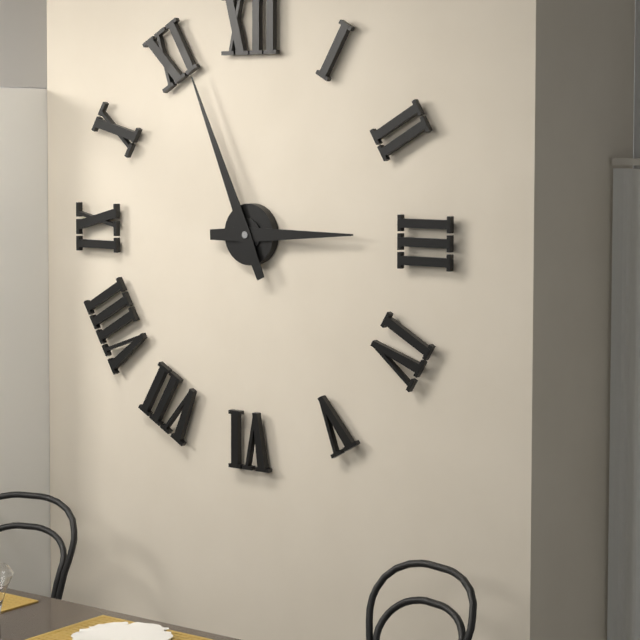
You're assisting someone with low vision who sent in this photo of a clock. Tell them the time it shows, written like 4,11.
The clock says 2,56
